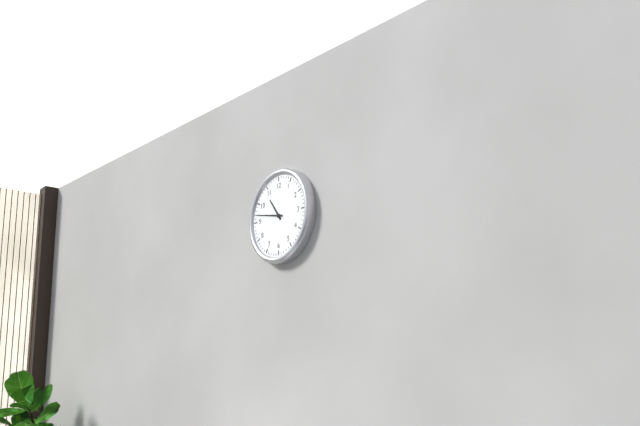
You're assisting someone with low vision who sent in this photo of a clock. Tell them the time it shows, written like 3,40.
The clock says 10,47
